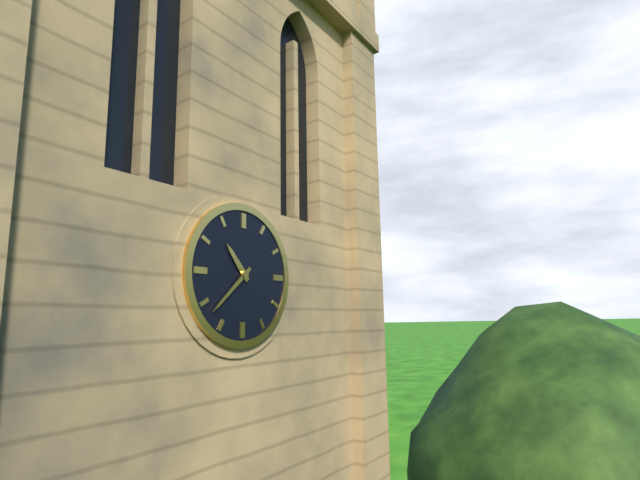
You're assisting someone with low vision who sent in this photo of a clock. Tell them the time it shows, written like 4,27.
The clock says 10,38
